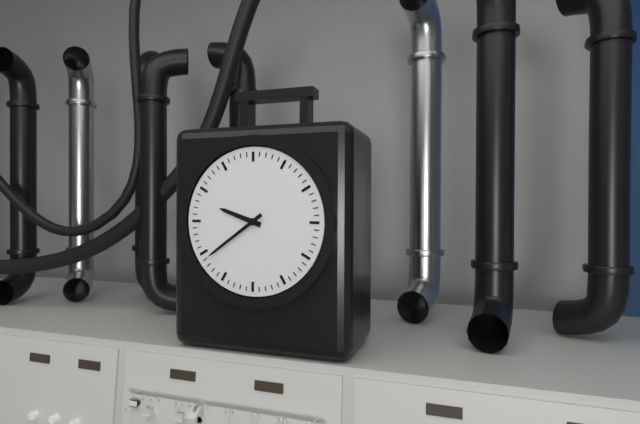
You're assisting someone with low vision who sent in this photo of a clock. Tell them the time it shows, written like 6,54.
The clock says 9,39
